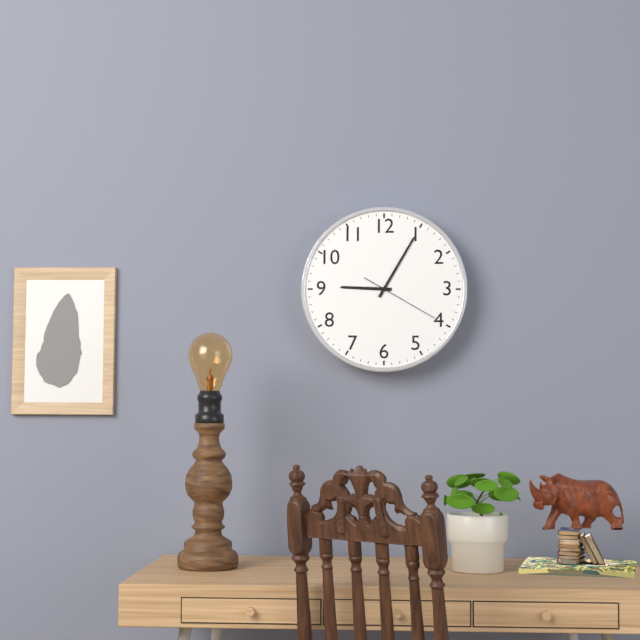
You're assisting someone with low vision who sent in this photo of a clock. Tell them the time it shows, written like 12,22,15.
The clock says 9,05,20
